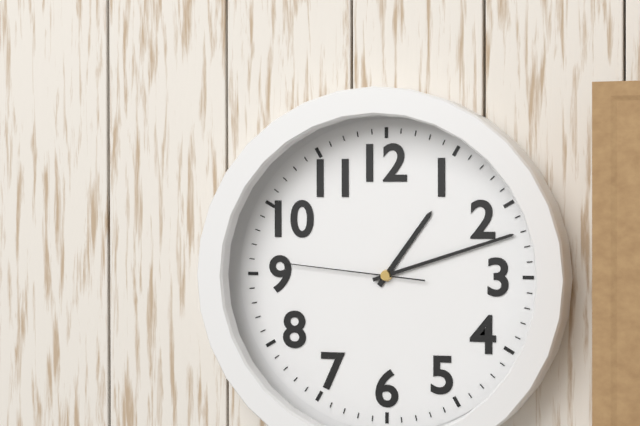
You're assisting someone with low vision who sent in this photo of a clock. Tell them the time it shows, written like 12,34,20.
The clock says 1,12,46
